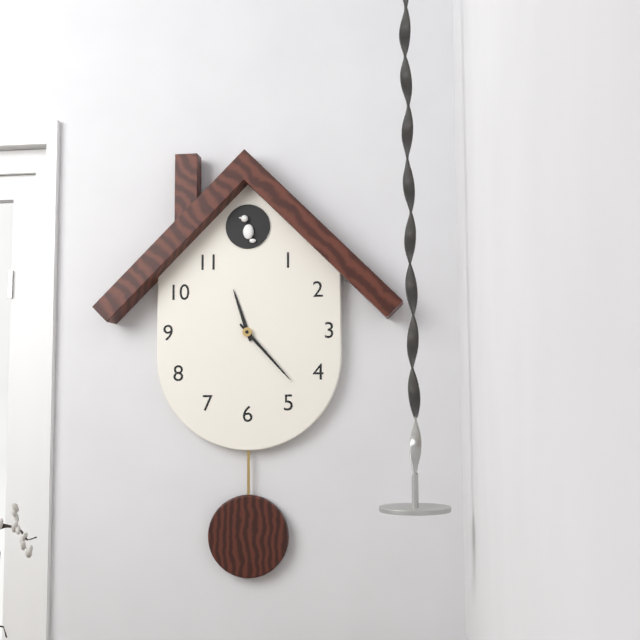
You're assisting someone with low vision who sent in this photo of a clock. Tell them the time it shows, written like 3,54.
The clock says 11,23
